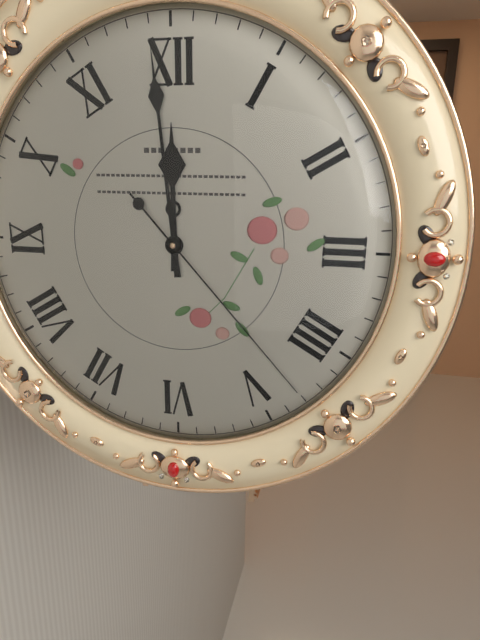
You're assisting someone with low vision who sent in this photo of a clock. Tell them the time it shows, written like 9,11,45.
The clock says 11,59,23
